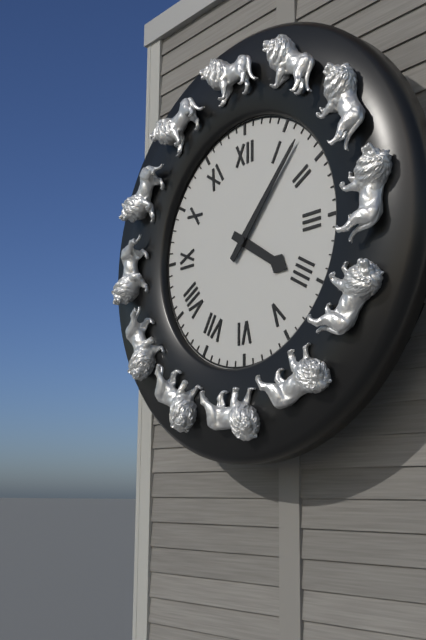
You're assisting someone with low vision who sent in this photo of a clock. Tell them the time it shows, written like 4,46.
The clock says 4,07
